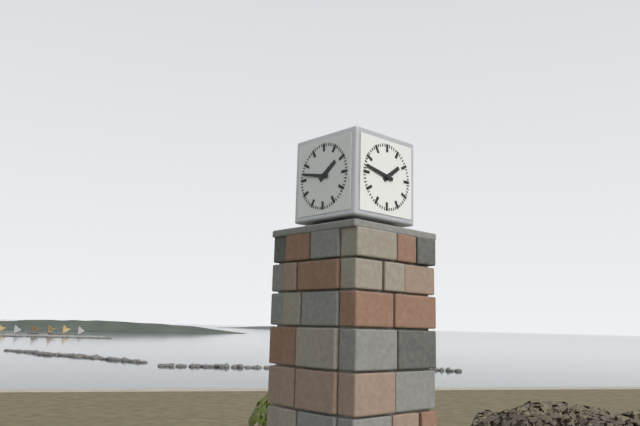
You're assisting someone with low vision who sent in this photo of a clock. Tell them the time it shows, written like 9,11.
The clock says 1,47
